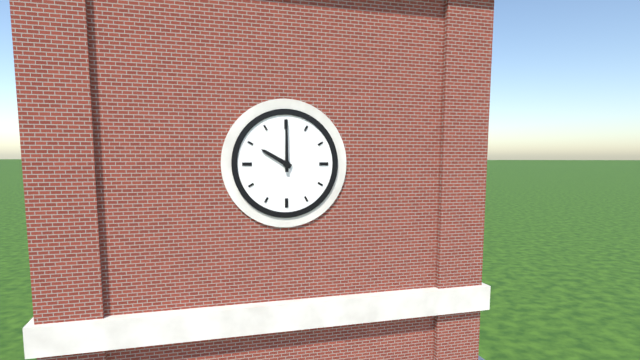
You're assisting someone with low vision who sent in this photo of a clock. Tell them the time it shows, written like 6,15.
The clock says 10,00
